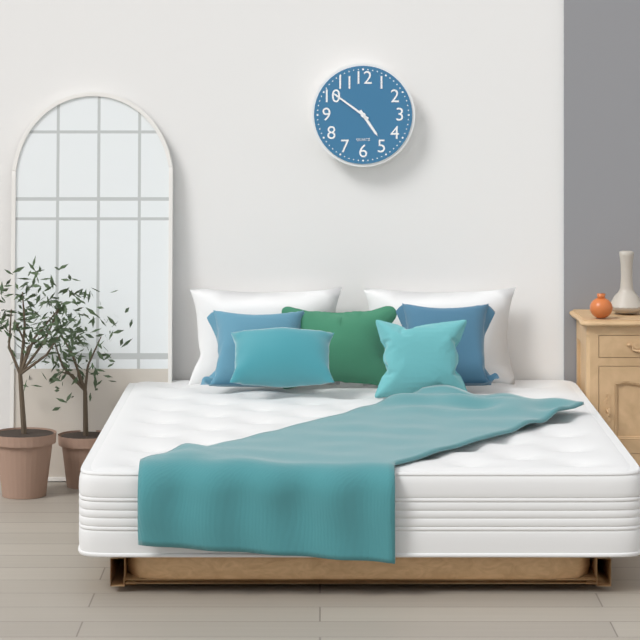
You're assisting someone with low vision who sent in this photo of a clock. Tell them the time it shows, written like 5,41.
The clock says 4,51
